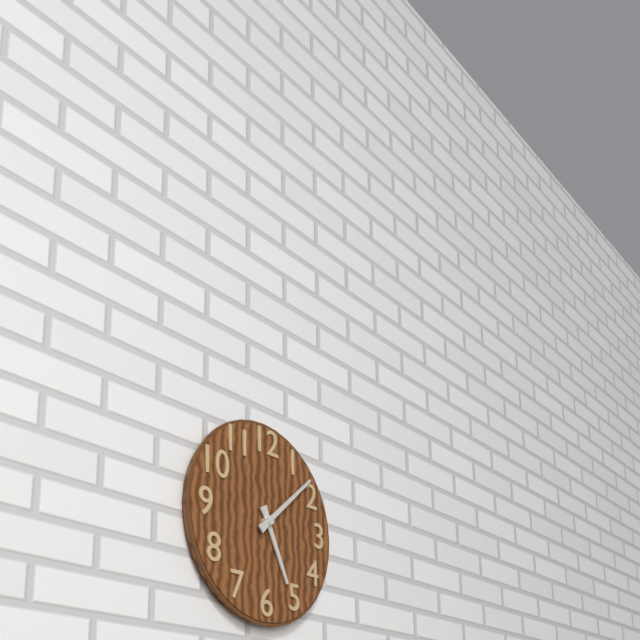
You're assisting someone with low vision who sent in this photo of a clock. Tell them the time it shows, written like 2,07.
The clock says 5,08
